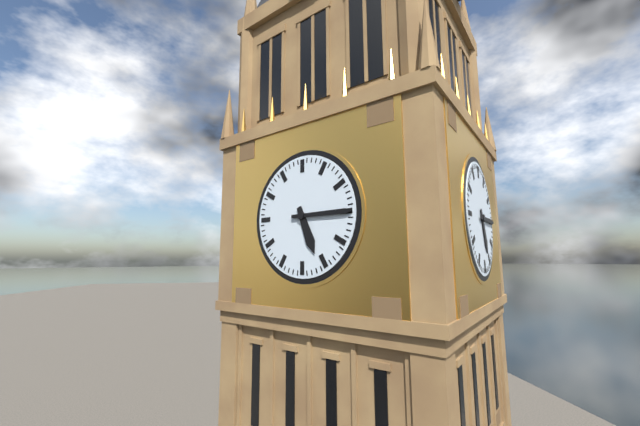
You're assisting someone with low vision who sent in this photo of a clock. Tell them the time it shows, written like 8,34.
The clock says 5,15
